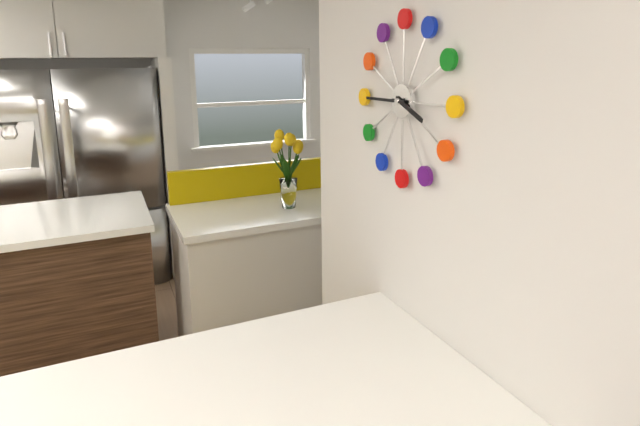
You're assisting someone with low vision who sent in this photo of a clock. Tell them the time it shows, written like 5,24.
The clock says 3,45
